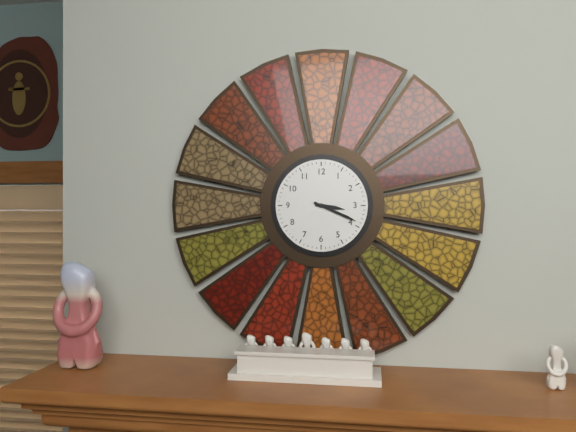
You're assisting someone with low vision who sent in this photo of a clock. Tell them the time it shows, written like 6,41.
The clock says 3,19
